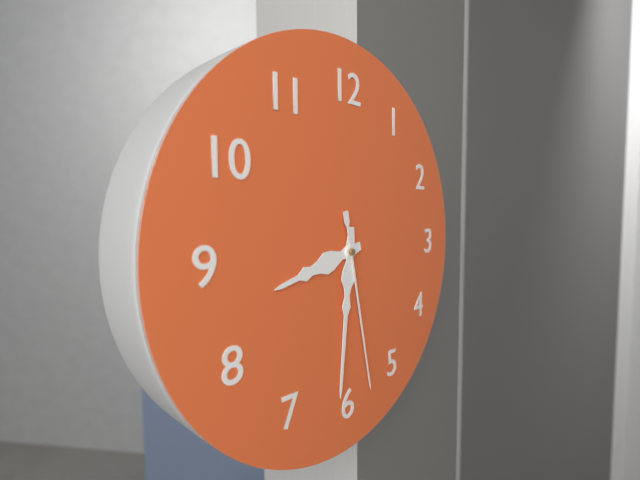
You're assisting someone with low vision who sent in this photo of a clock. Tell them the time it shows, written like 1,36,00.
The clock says 8,31,28
